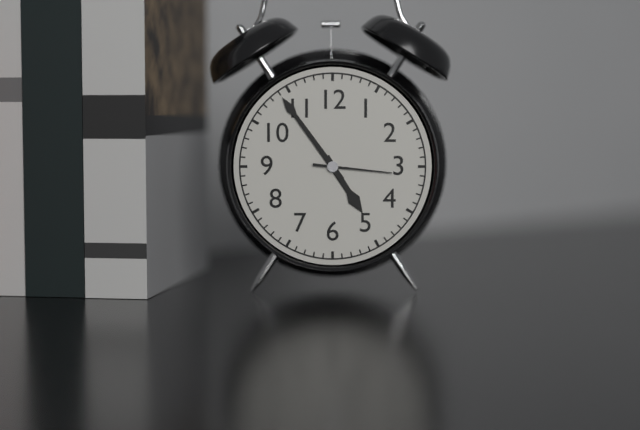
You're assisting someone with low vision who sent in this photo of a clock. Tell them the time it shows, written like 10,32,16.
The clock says 4,54,16
